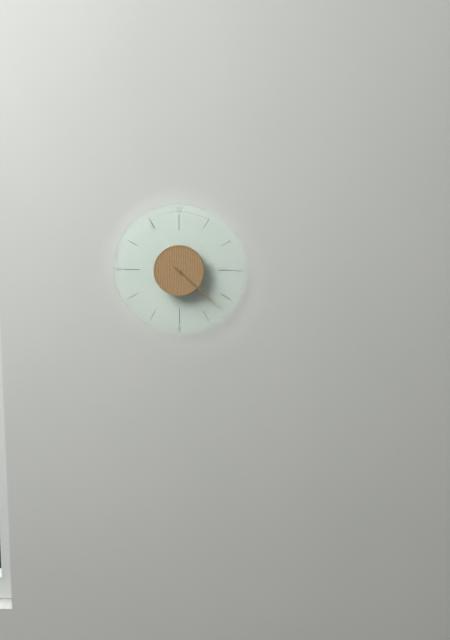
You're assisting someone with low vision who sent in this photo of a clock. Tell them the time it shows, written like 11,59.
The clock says 4,22
